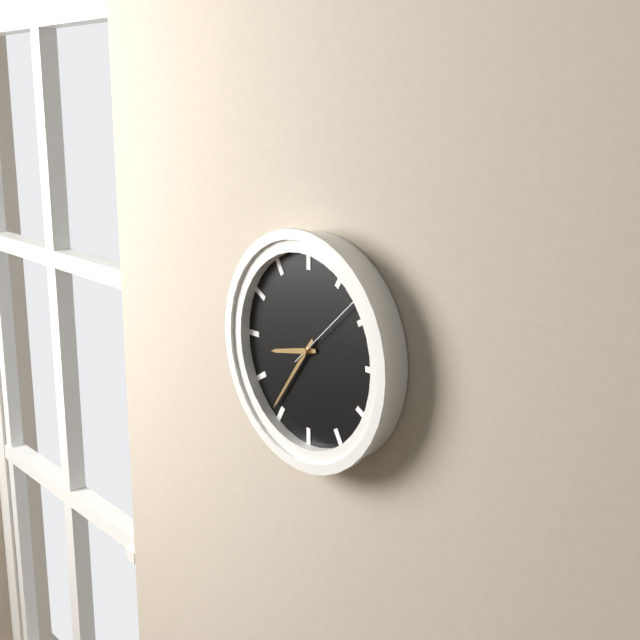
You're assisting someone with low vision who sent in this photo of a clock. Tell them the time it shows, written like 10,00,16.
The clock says 8,36,08
